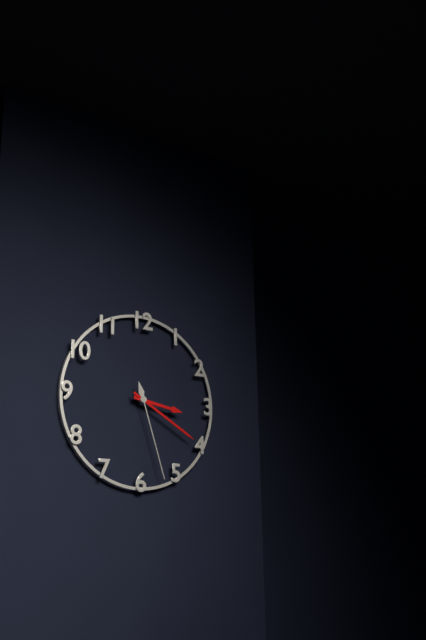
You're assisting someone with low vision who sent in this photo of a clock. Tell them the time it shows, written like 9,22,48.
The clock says 3,20,27
